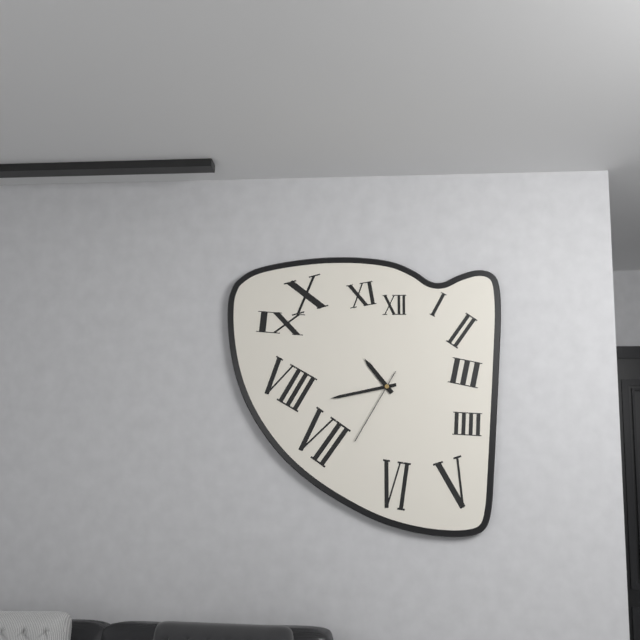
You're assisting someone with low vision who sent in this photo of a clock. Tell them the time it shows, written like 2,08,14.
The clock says 10,43,35
